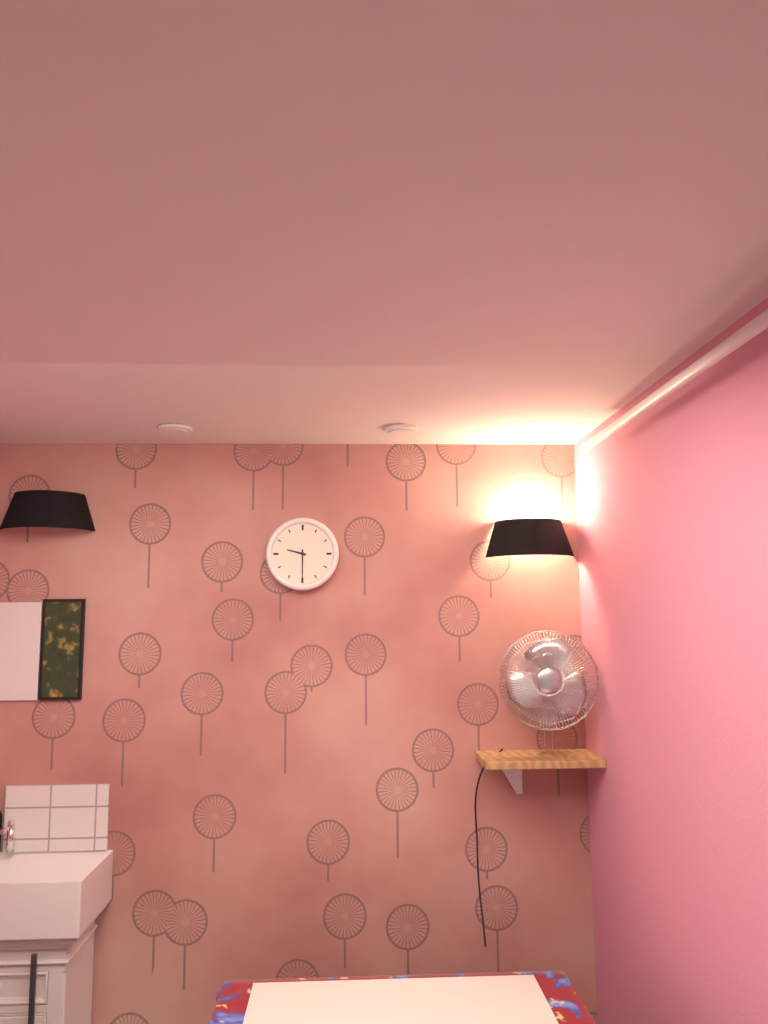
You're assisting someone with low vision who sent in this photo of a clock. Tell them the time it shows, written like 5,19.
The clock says 9,30
